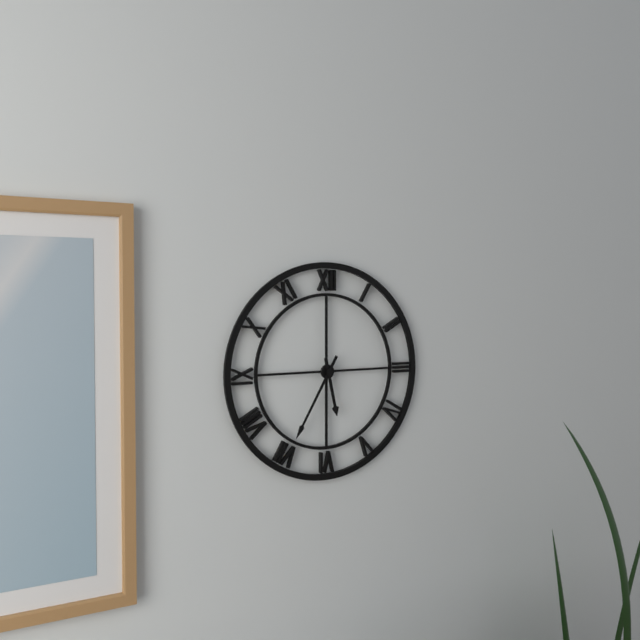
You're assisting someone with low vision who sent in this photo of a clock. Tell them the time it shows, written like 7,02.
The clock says 5,35
